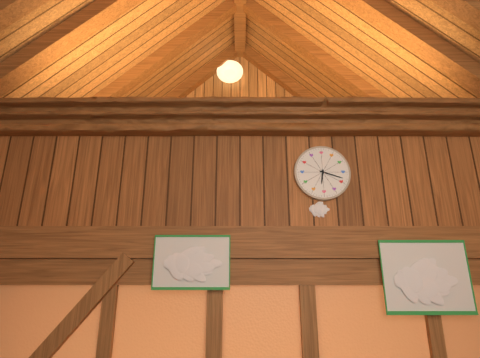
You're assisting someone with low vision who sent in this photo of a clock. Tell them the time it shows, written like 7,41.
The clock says 6,18
